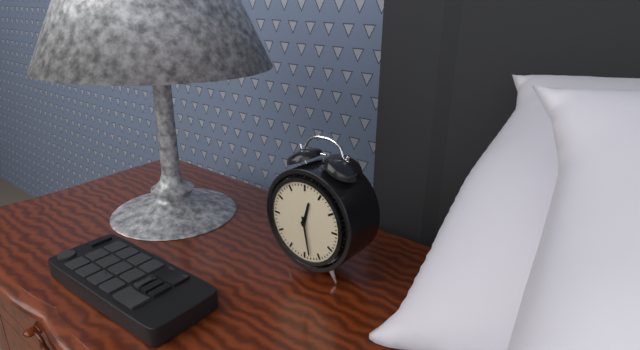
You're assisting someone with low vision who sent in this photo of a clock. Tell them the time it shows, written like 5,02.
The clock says 12,28
